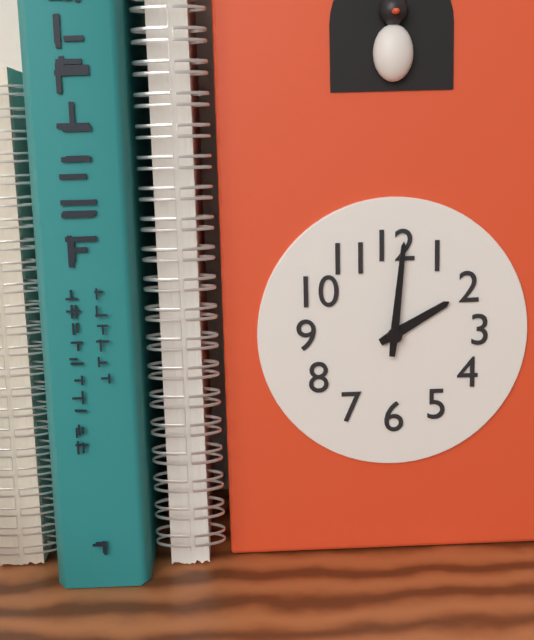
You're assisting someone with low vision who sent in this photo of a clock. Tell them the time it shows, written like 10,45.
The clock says 2,01
